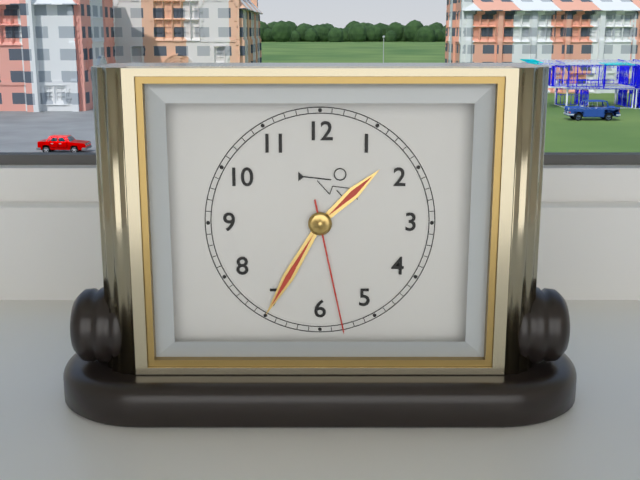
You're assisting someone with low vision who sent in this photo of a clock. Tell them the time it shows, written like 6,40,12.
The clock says 1,35,28
